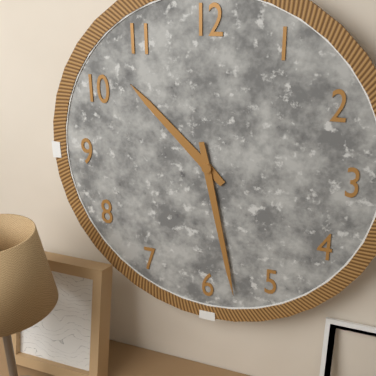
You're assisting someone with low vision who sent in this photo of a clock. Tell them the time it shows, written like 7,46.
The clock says 10,28
